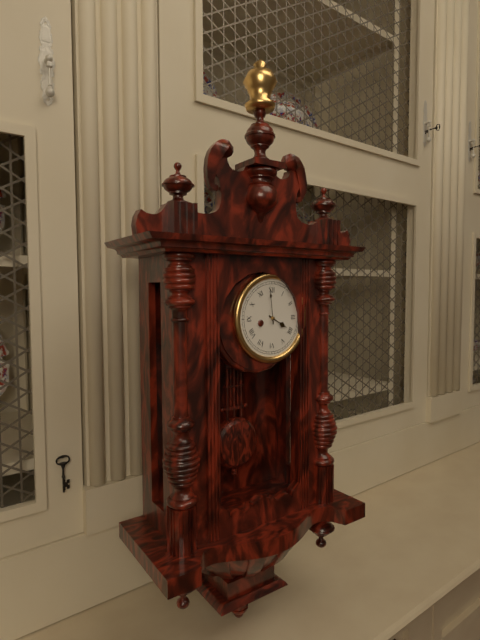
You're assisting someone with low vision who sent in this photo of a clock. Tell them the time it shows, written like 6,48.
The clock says 3,59
